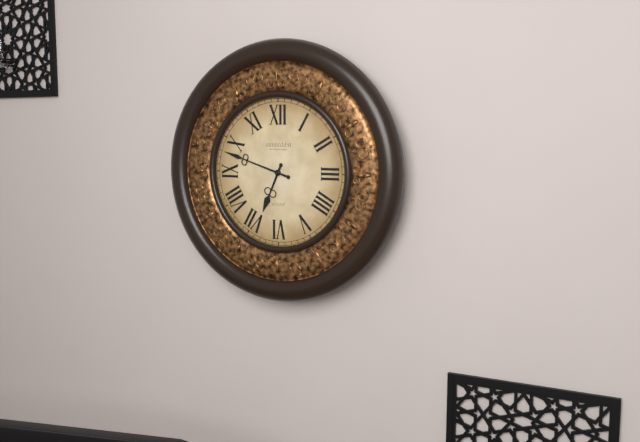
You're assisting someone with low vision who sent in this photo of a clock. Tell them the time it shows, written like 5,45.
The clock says 6,48
